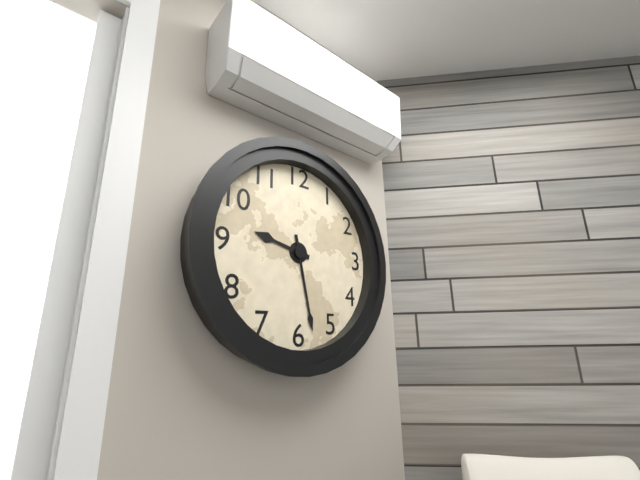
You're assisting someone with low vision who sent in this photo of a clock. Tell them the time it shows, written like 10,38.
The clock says 9,28
